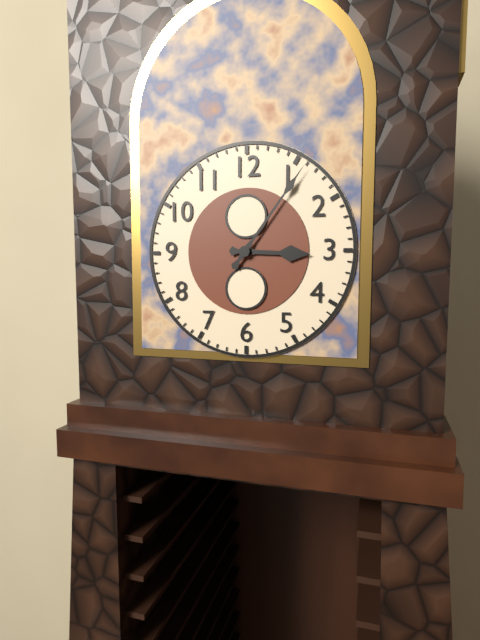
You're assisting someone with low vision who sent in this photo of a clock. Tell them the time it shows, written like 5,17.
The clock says 3,06
